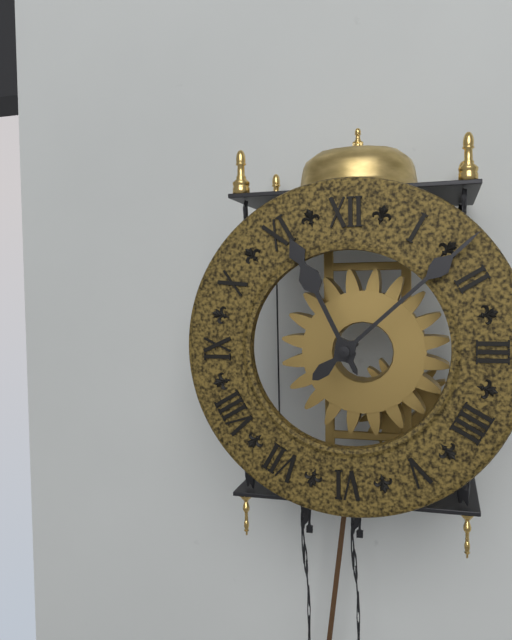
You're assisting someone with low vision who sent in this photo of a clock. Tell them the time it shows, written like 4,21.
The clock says 11,08
